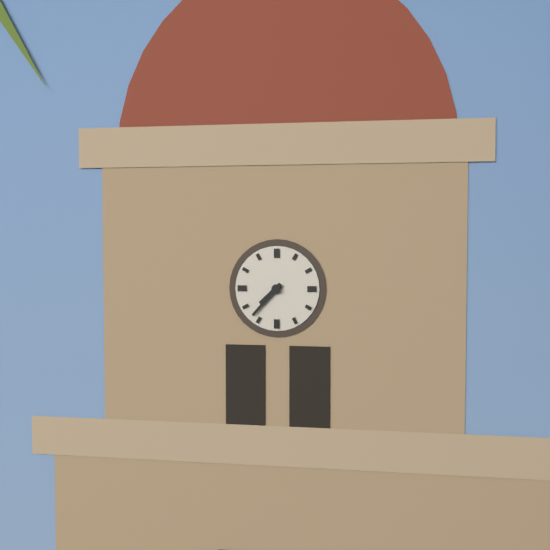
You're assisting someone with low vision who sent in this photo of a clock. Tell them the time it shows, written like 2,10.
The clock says 7,37
